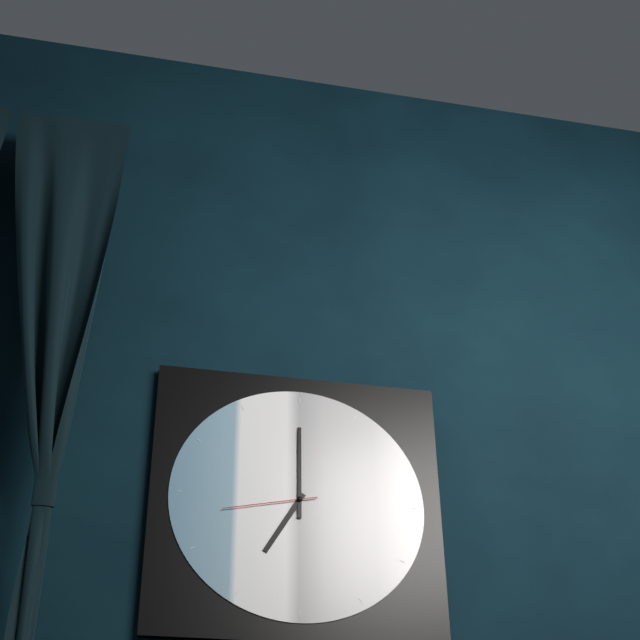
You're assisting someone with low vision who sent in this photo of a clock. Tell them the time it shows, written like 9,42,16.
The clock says 7,00,43
